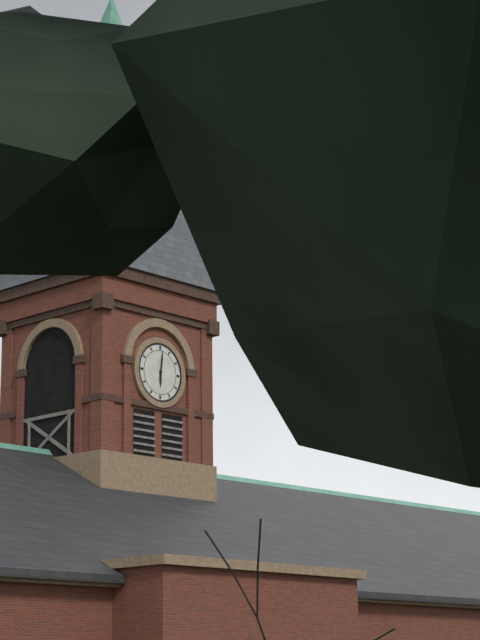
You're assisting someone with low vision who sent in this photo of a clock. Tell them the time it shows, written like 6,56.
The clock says 6,01
